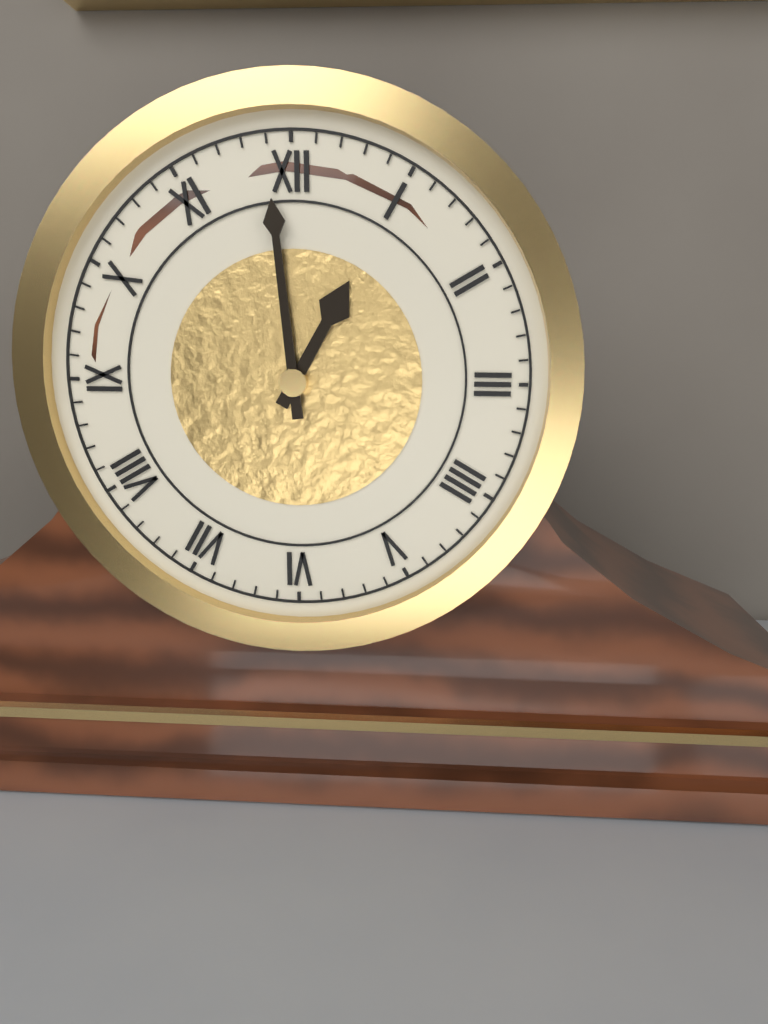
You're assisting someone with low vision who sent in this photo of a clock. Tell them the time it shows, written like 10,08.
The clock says 12,59
